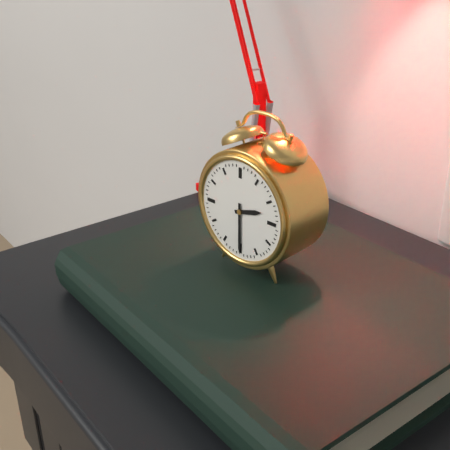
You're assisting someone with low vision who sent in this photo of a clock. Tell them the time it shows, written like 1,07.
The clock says 2,30
